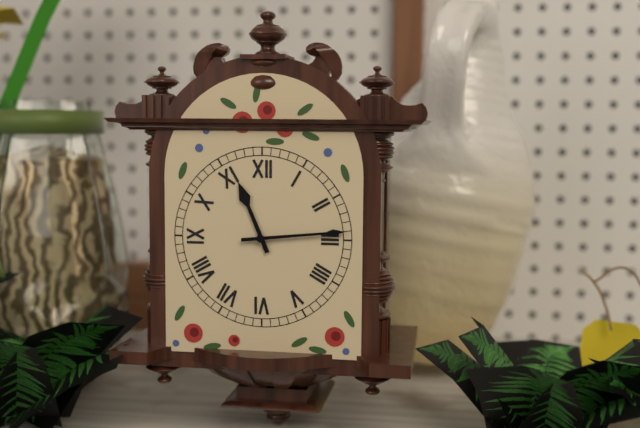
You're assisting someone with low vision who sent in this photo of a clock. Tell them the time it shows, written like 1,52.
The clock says 11,14
